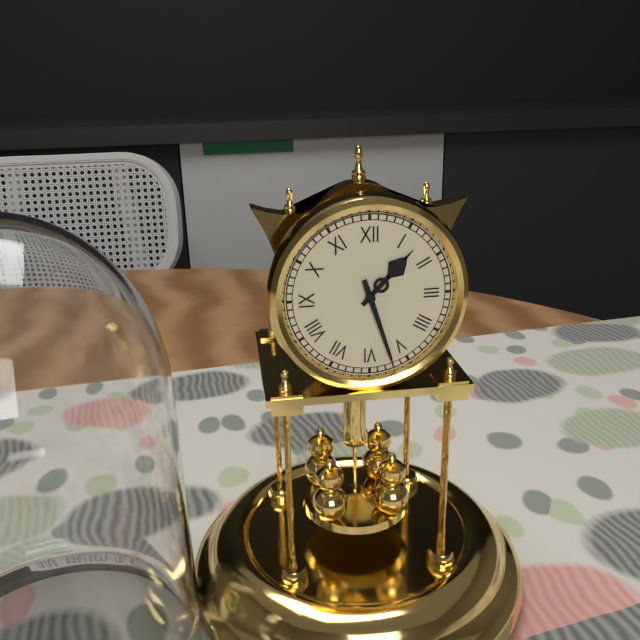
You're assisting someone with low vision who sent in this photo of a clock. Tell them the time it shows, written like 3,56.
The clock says 1,27
